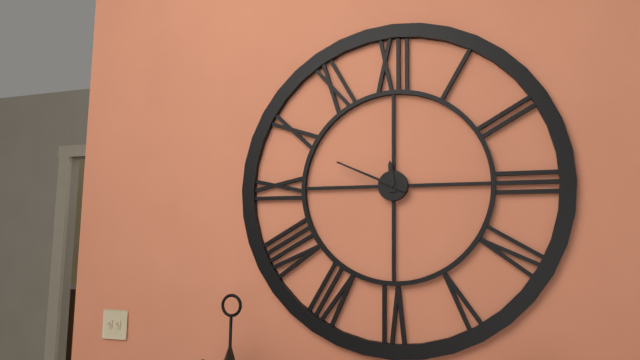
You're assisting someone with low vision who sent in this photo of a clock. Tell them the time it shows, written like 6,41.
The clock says 11,49
